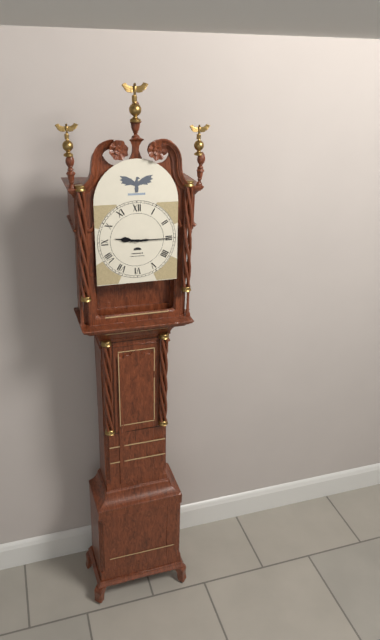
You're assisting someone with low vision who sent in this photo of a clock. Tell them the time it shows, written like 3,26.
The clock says 9,15
